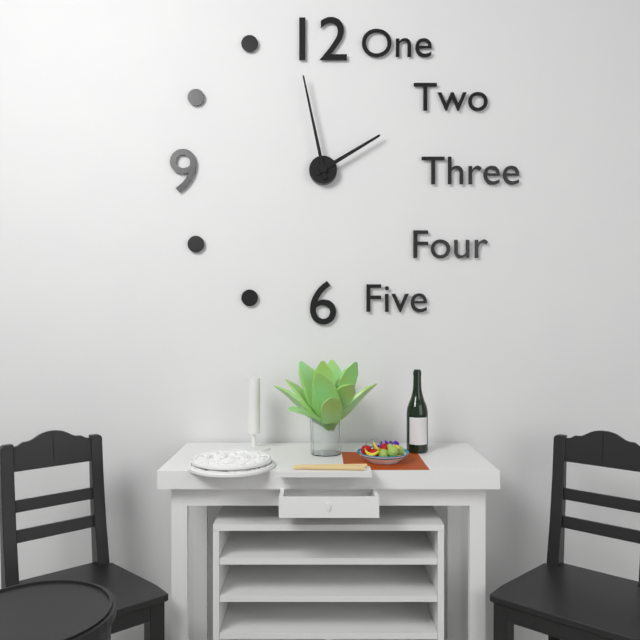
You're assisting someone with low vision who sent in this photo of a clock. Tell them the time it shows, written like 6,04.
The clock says 1,58
